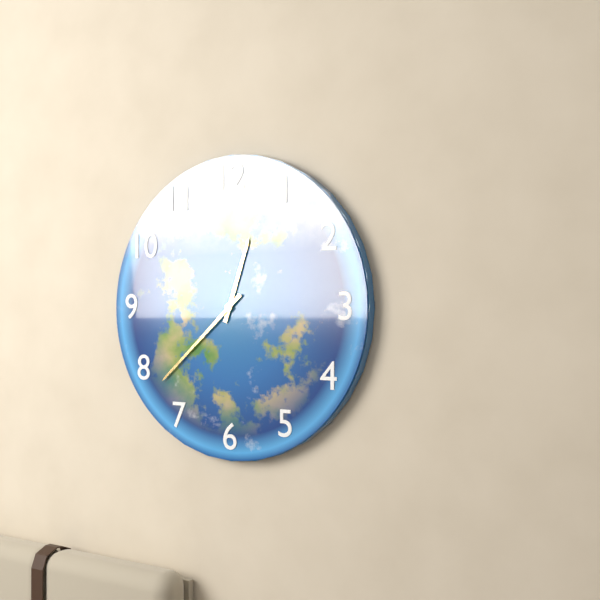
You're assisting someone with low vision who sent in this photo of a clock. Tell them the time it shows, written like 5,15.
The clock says 12,38
